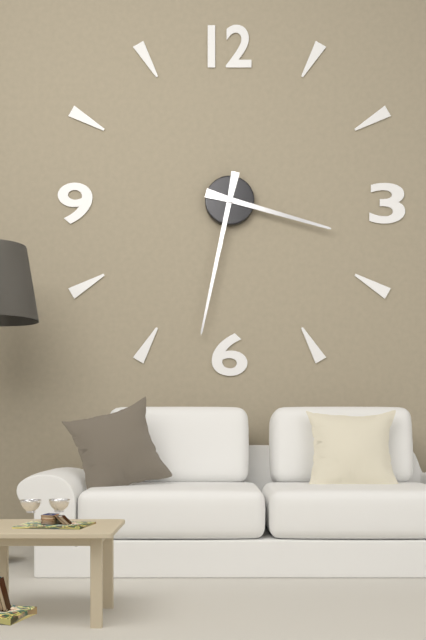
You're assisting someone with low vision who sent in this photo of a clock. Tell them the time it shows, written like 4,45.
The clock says 3,32
